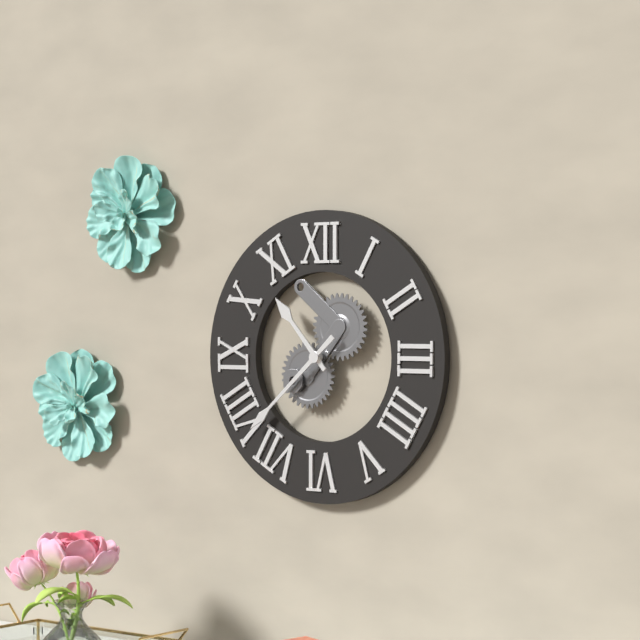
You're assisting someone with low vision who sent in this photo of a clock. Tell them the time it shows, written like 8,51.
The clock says 10,38
